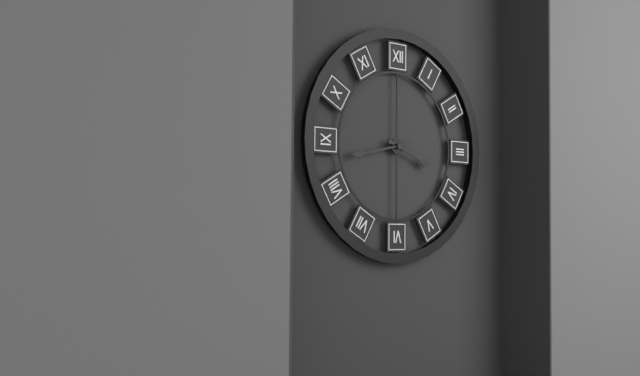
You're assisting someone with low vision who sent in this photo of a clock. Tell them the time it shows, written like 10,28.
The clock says 3,43
